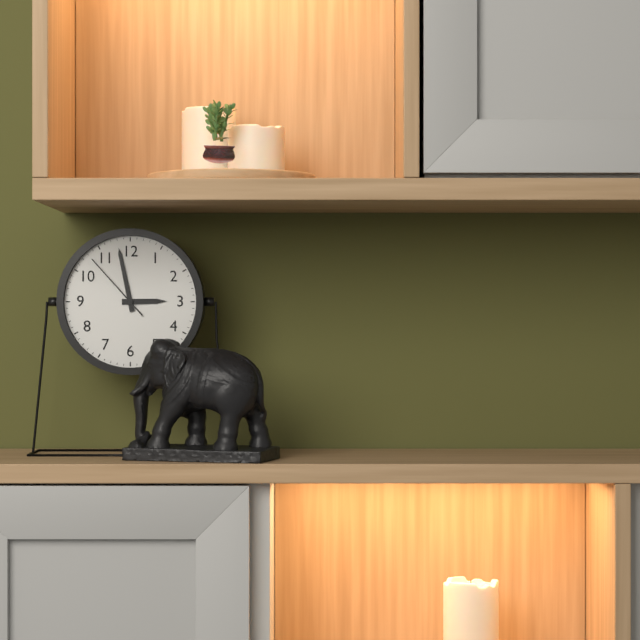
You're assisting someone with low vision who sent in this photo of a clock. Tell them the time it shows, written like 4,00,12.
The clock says 2,58,53
